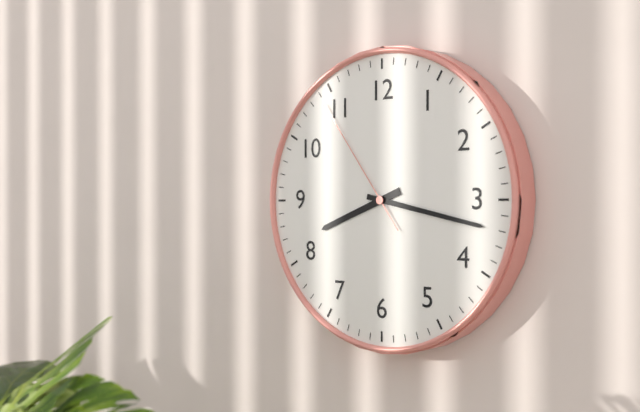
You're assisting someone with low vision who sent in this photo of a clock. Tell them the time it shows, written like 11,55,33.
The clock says 8,17,54
